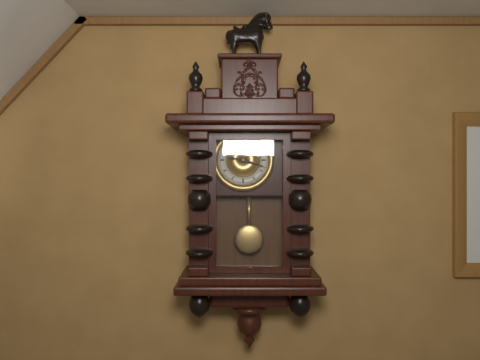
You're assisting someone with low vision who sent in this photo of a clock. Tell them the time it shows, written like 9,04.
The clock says 9,18
